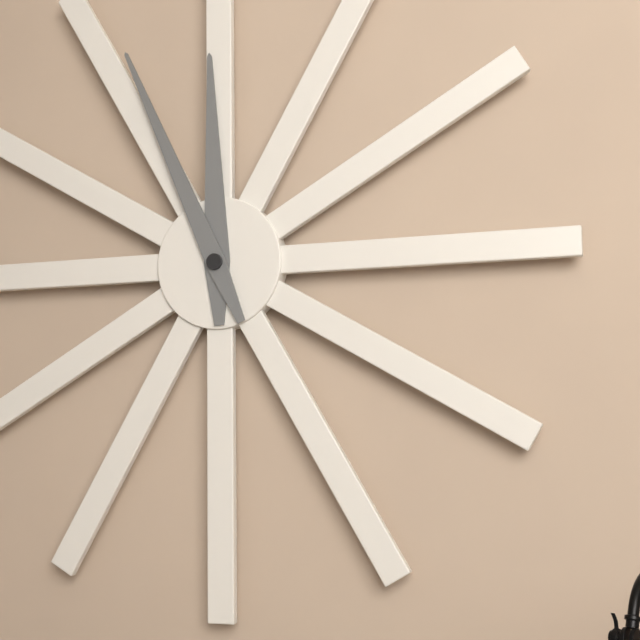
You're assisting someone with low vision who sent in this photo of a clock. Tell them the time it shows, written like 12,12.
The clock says 11,56
